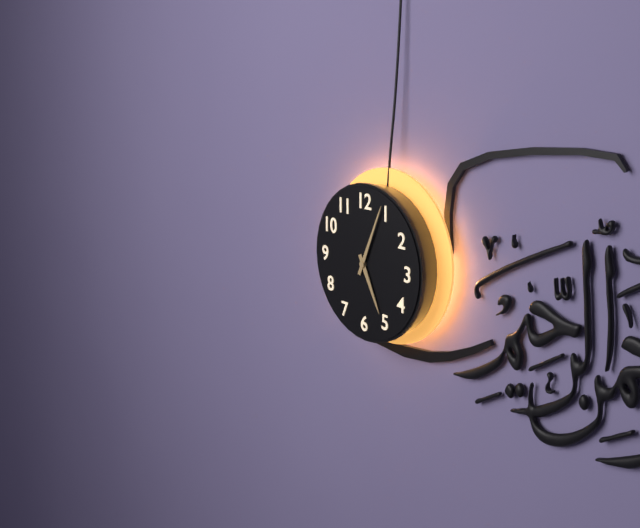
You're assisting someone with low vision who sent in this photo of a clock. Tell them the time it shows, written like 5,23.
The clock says 5,04
